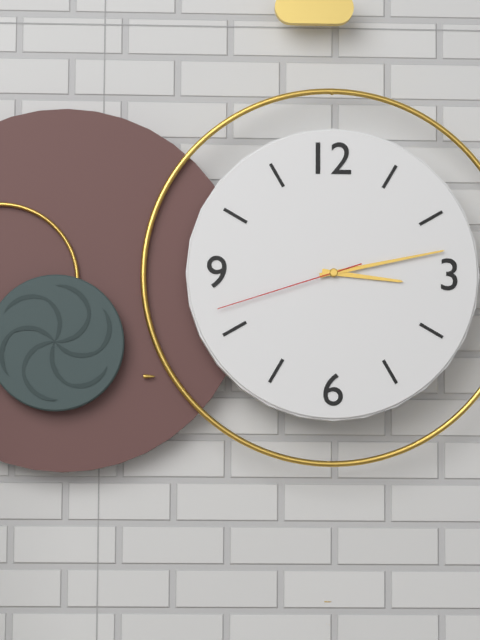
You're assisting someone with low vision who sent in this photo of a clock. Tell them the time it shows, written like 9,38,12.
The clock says 3,13,42
